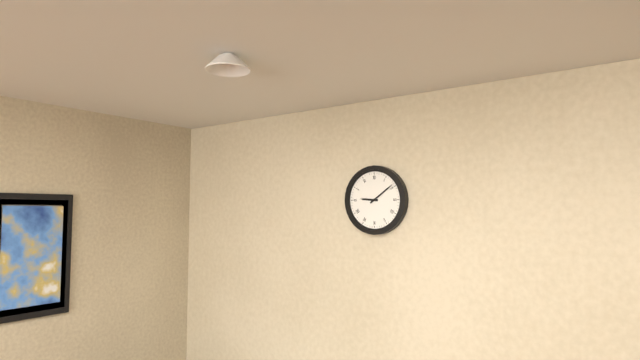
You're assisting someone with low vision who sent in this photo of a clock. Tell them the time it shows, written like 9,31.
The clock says 9,09
